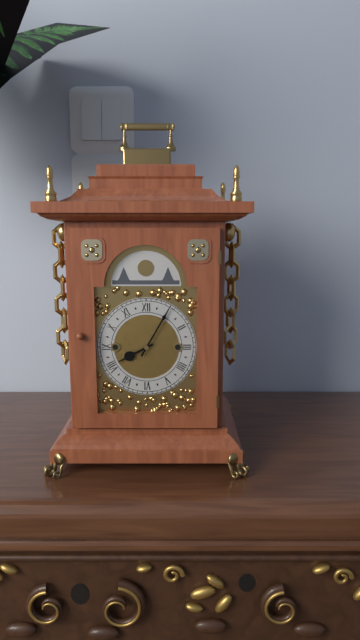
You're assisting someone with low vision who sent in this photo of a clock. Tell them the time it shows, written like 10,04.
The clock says 8,05
